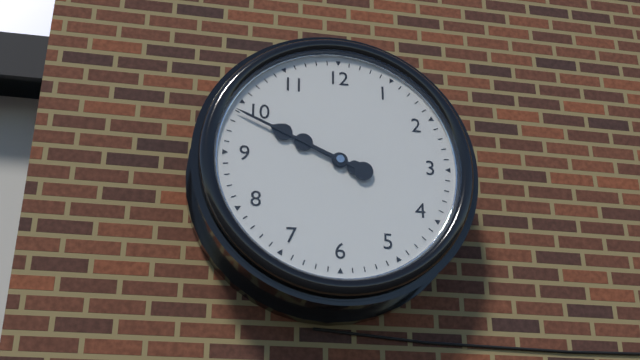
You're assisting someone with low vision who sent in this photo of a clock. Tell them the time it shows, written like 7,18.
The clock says 9,49
